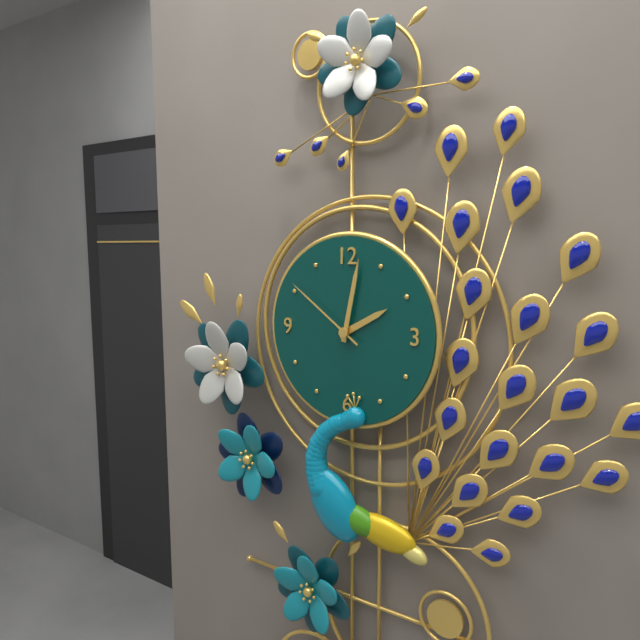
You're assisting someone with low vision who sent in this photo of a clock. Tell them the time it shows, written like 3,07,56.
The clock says 2,02,51
